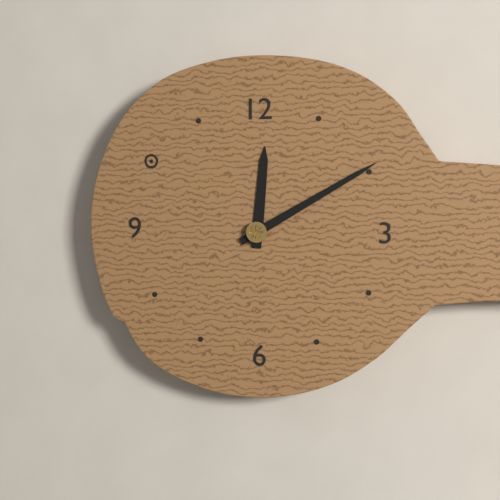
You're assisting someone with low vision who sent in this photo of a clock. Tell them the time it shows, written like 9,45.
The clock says 12,10
